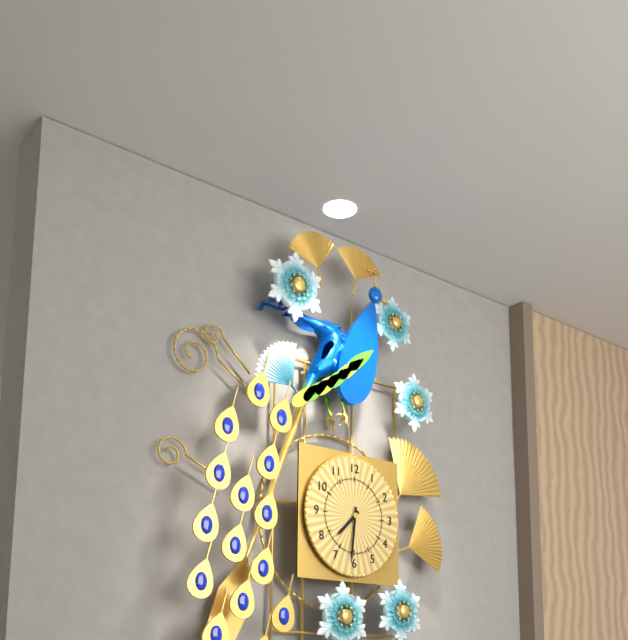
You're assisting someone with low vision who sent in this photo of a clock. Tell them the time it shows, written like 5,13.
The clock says 7,31
